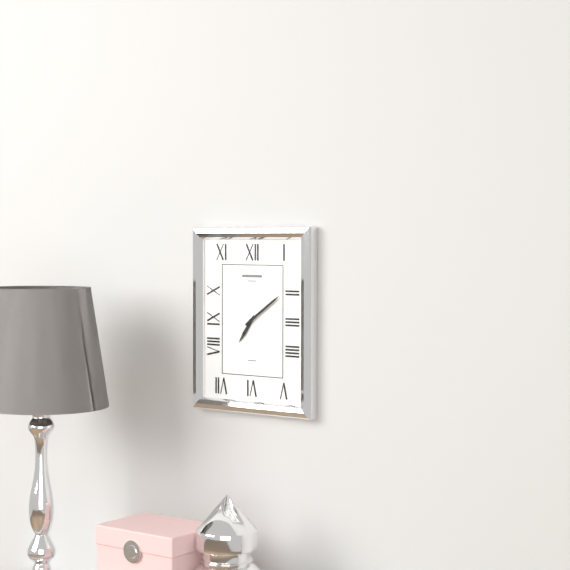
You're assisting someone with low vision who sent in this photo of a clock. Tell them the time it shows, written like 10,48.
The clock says 7,09
